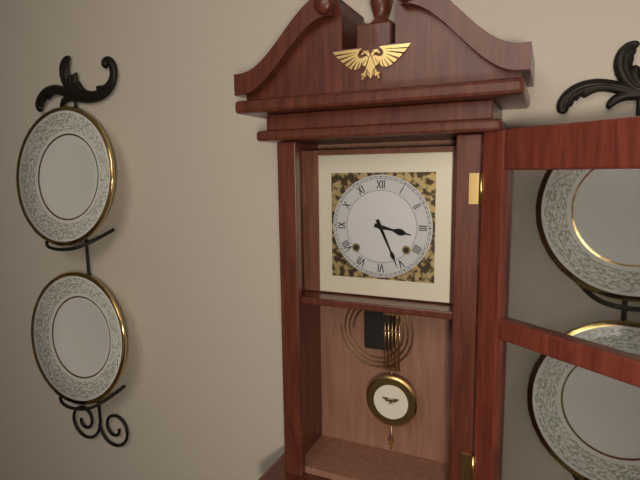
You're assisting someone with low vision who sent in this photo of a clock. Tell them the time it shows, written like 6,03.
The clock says 3,26
